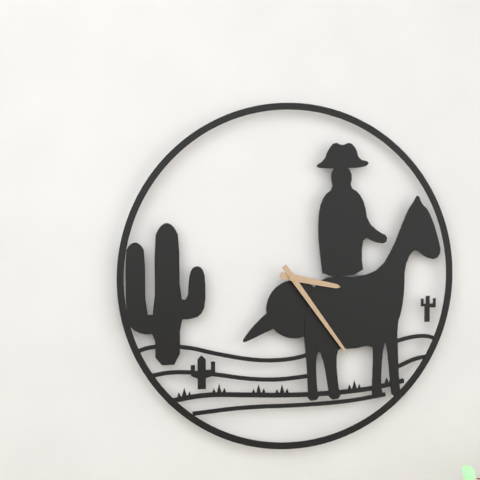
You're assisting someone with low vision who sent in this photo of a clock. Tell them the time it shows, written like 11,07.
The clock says 3,24
